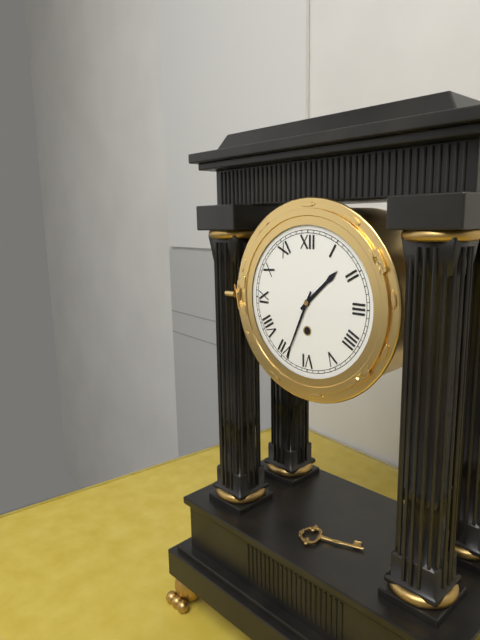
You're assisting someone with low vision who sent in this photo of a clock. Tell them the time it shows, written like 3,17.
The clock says 1,34
